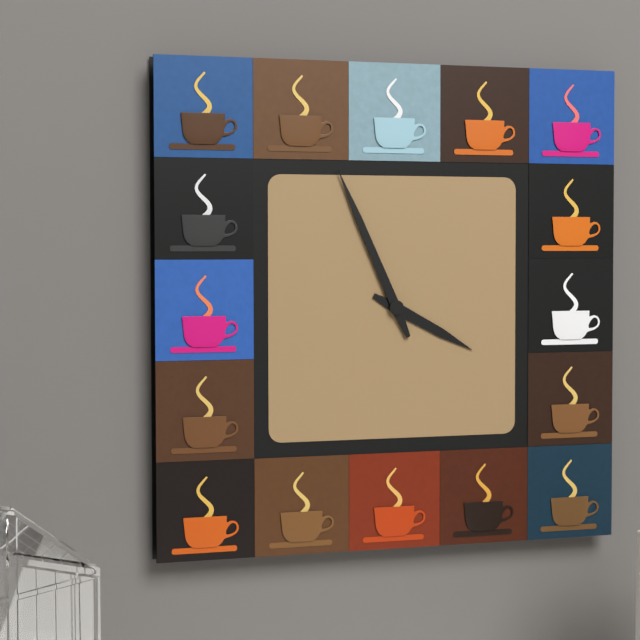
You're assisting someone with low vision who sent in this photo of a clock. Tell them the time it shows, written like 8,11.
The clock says 3,56
